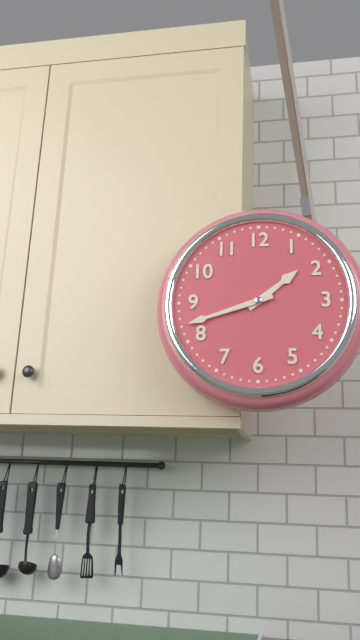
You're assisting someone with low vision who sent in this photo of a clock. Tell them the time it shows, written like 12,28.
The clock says 1,42
